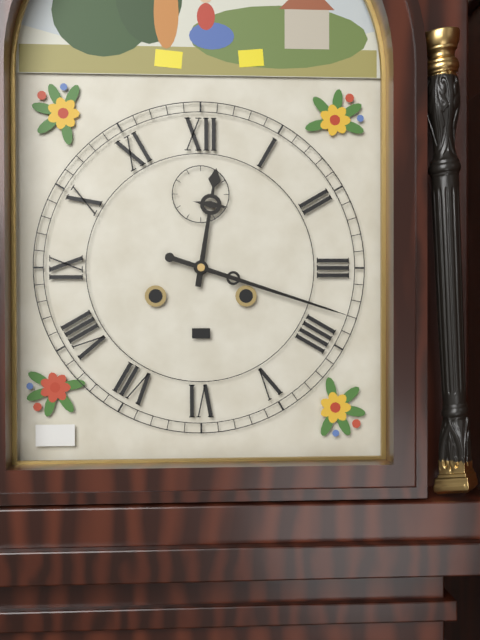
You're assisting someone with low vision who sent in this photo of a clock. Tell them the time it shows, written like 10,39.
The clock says 12,18
